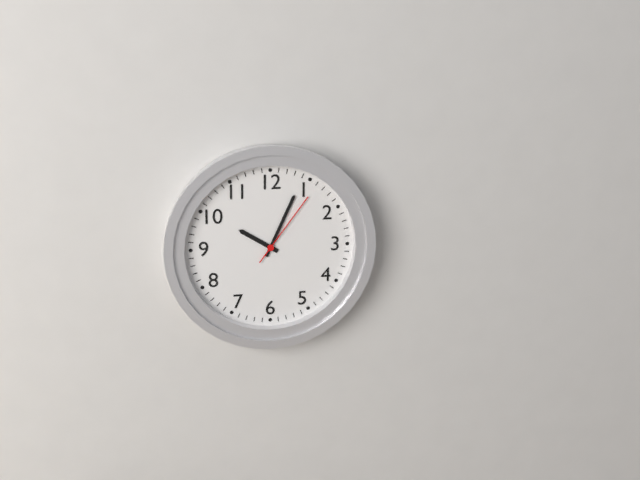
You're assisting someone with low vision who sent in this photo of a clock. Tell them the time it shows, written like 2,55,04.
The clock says 10,04,06
